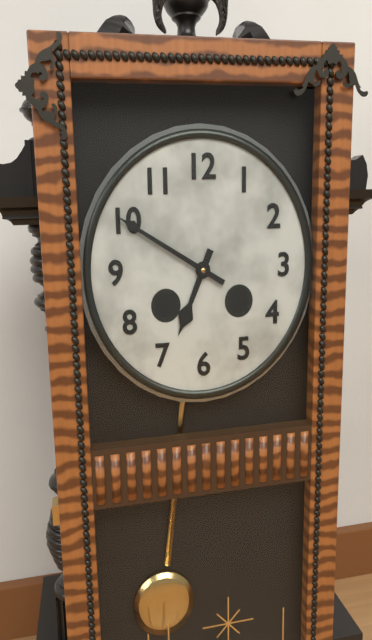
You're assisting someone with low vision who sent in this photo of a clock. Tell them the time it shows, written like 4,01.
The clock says 6,50
